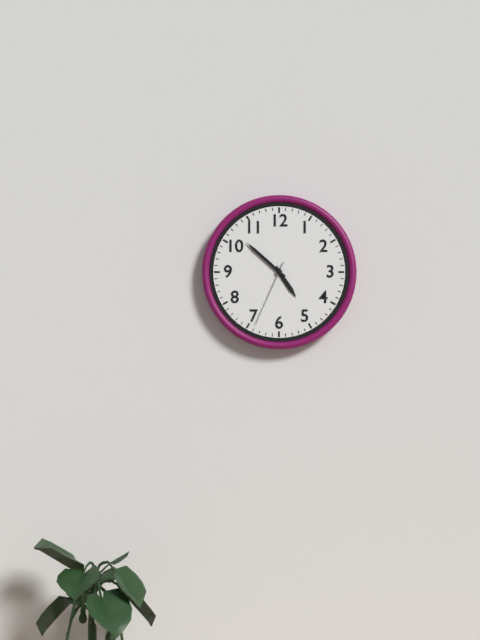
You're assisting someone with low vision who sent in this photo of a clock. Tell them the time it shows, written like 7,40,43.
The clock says 4,52,34
